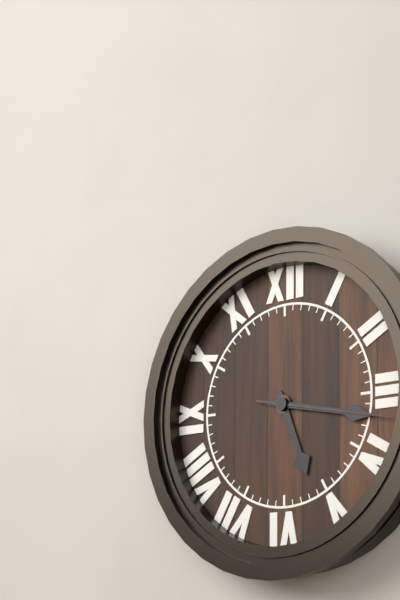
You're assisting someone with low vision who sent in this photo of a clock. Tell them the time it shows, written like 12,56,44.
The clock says 5,17,17
